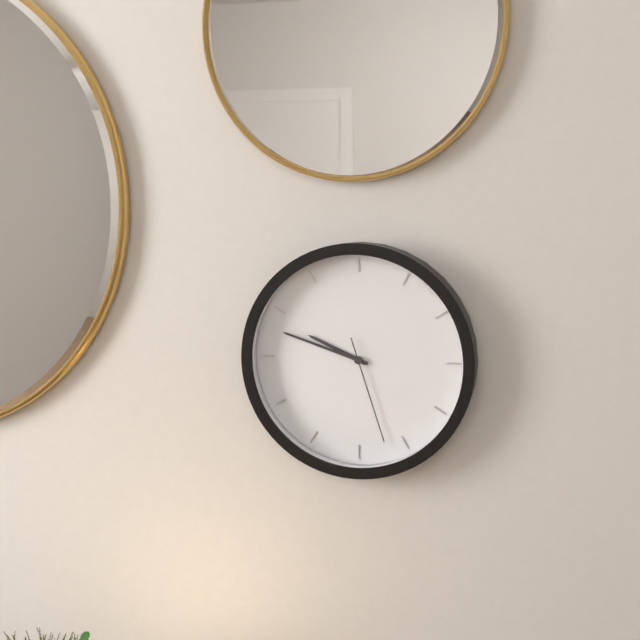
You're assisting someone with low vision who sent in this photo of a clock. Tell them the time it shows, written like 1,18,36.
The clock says 9,48,27
